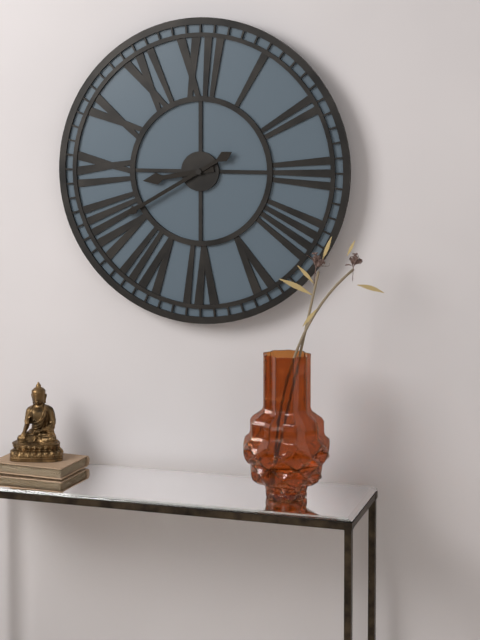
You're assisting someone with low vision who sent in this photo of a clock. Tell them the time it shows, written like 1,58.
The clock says 8,40
